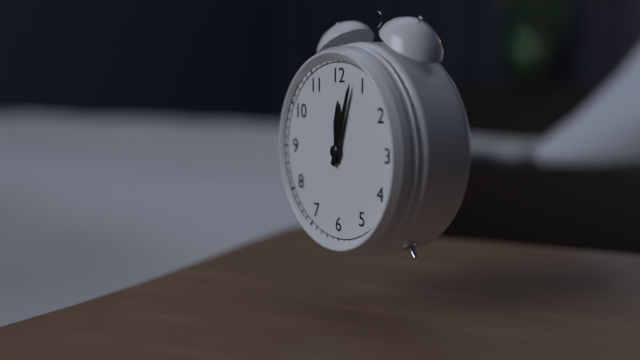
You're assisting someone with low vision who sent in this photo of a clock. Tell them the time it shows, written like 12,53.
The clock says 12,03
